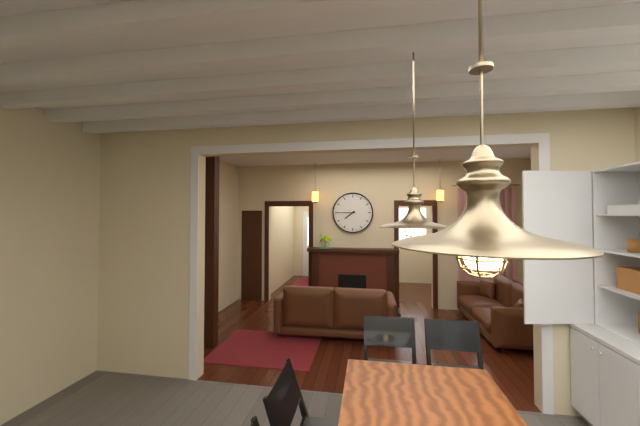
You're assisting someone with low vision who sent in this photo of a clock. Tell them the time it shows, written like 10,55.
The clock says 7,45
